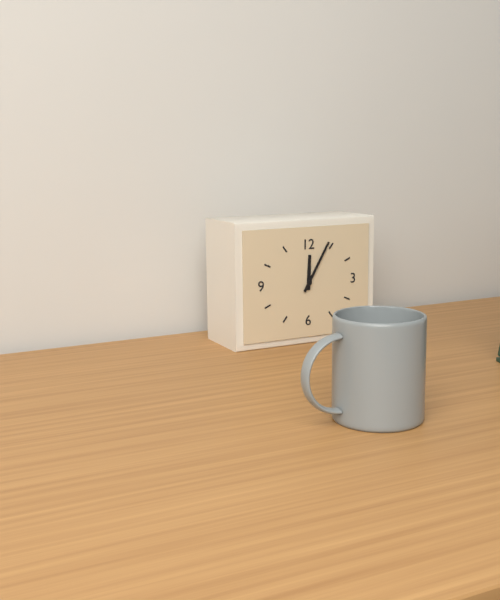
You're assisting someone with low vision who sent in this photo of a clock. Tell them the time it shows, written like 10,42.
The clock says 12,05
